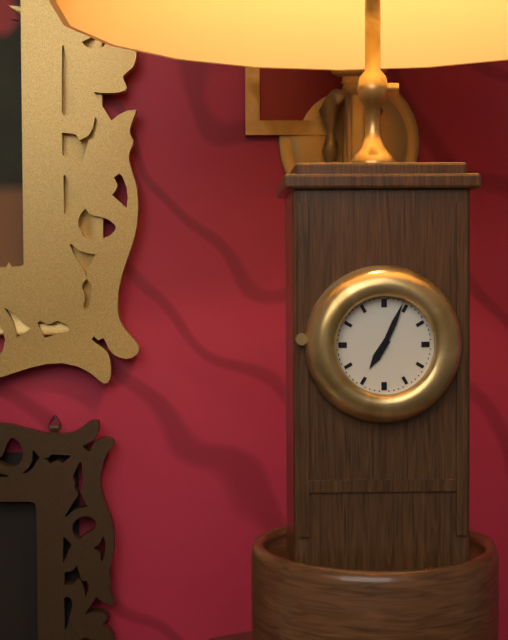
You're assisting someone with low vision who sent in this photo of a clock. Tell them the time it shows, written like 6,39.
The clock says 7,04
